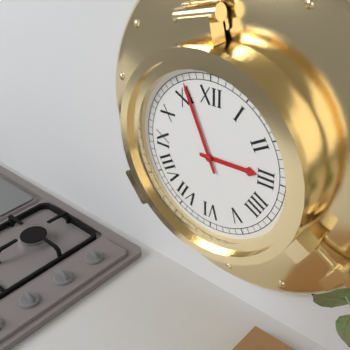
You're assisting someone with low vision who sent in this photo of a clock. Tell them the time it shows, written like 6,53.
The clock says 2,56
